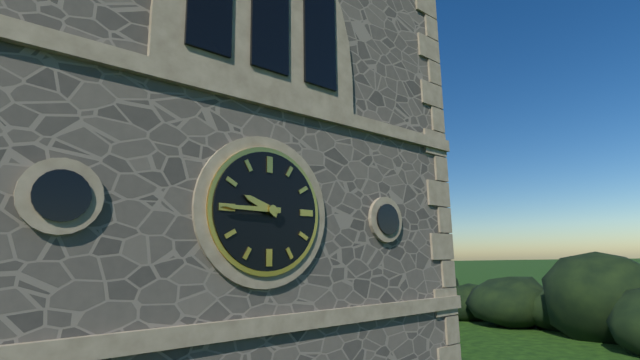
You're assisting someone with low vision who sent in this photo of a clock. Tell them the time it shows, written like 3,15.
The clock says 9,45
